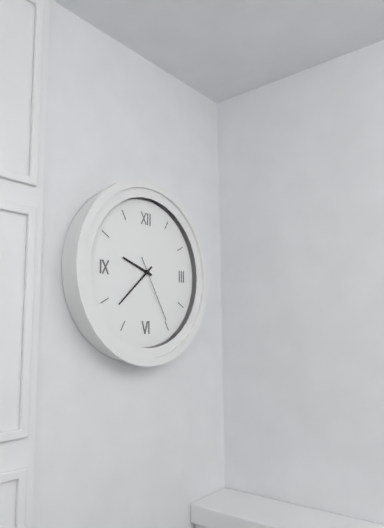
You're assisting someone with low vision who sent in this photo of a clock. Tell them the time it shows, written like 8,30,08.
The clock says 9,38,25
